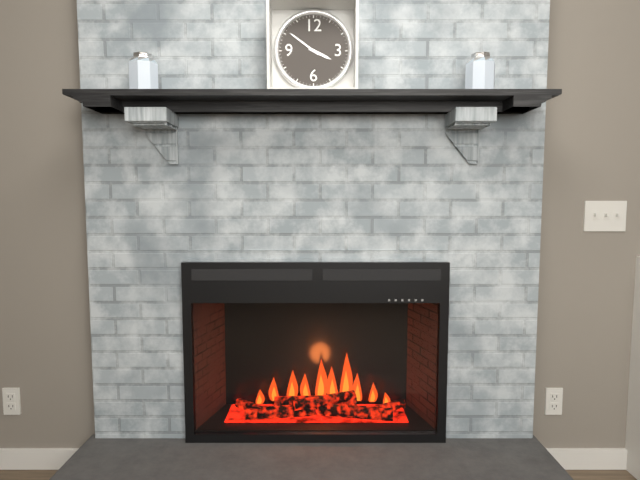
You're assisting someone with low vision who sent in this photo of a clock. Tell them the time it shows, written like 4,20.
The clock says 3,51
